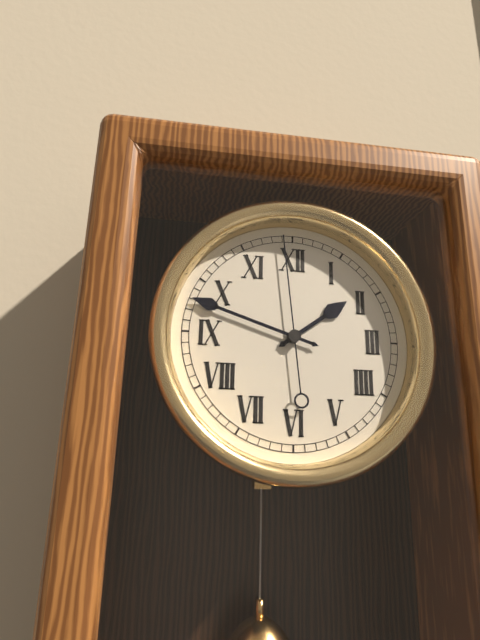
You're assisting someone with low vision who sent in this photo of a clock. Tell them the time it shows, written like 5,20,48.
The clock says 1,48,59
